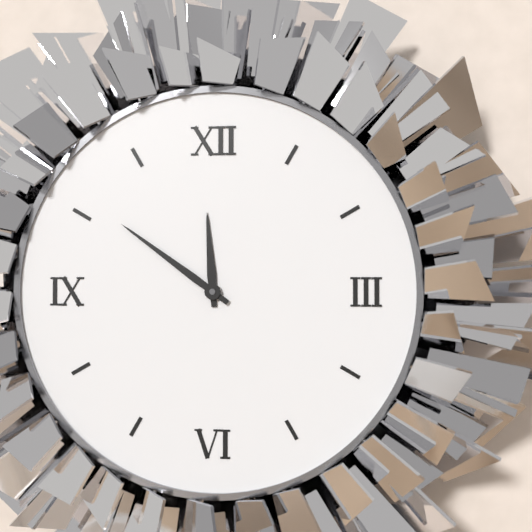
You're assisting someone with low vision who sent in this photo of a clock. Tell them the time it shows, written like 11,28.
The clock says 11,51
